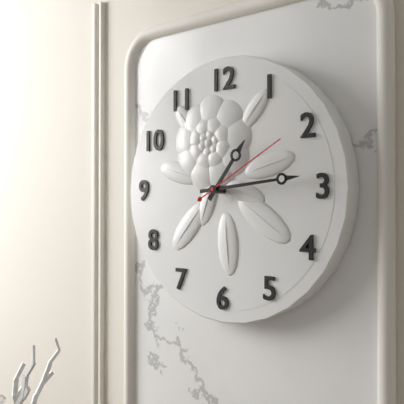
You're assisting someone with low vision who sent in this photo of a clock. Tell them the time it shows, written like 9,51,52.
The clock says 1,14,10
